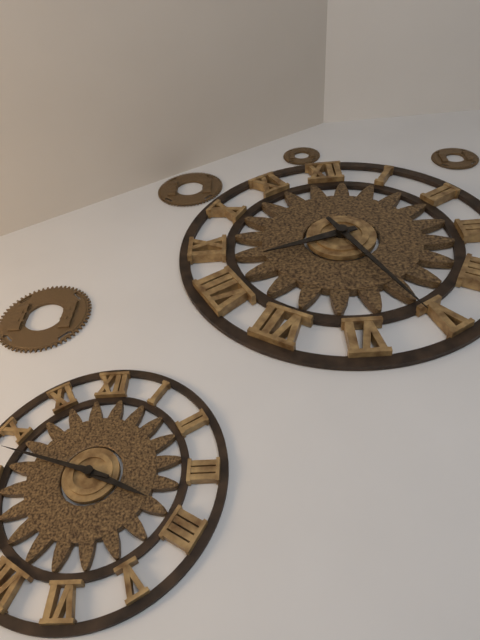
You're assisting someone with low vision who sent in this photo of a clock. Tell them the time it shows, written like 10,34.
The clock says 8,26
